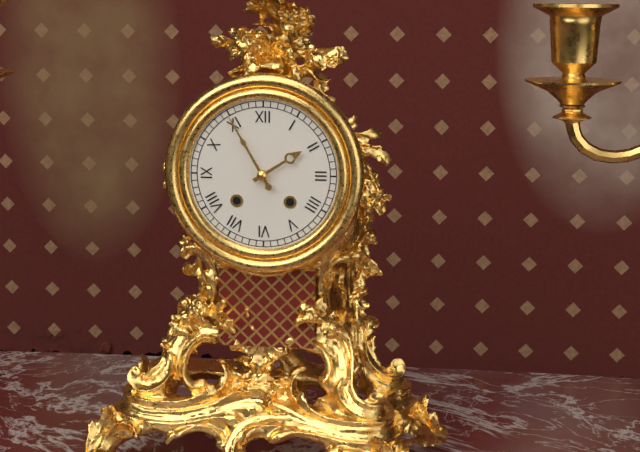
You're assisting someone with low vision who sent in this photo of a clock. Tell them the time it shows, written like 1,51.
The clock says 1,55
